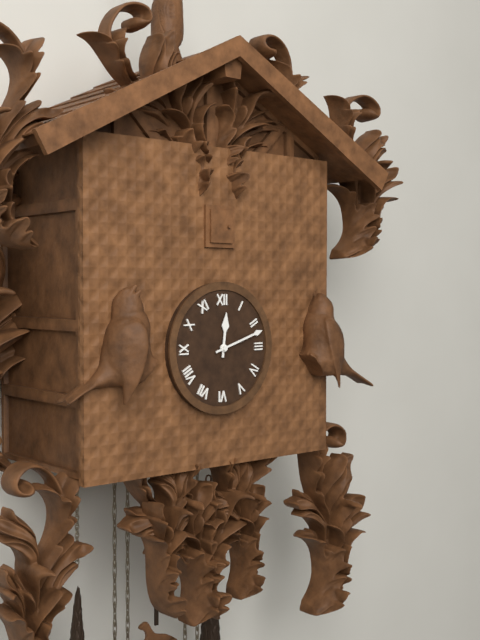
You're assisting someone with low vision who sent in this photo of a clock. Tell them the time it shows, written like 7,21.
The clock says 12,12
